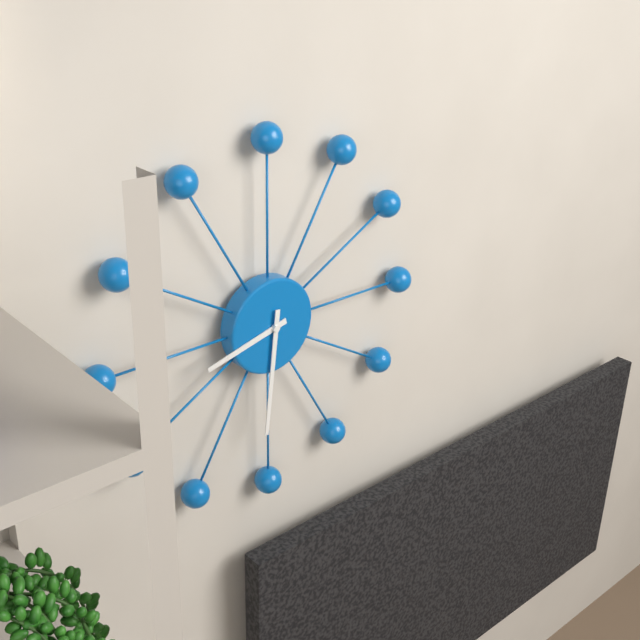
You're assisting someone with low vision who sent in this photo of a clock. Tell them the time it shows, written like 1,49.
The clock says 8,31
